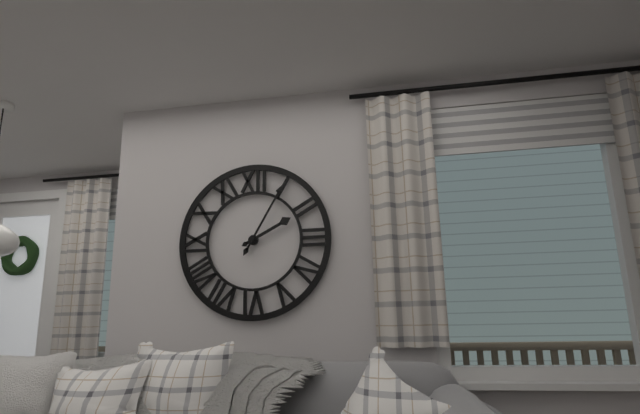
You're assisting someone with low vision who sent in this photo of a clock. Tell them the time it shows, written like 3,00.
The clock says 2,05
